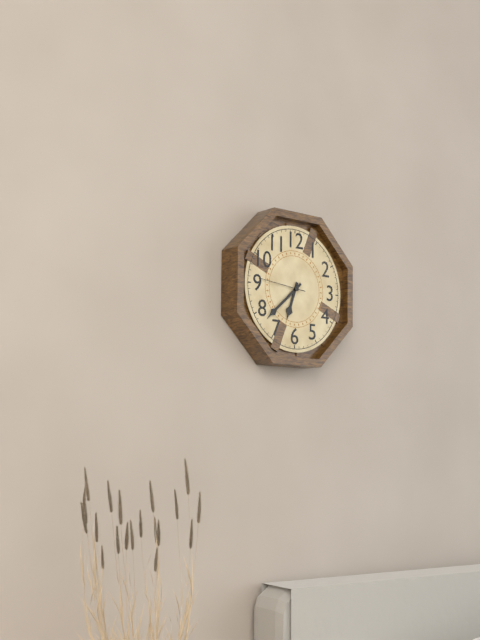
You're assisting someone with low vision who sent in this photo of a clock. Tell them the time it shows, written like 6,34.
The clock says 6,38
